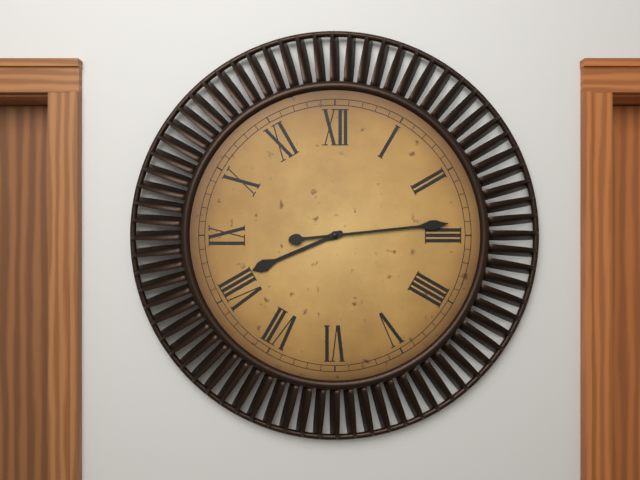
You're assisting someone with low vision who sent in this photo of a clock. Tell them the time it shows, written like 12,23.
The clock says 8,14
